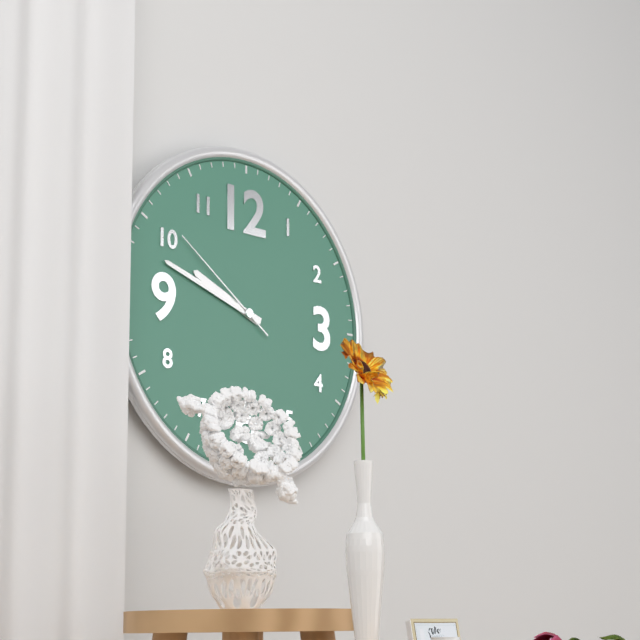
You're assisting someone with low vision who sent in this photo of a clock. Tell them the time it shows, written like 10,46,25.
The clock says 9,48,51
